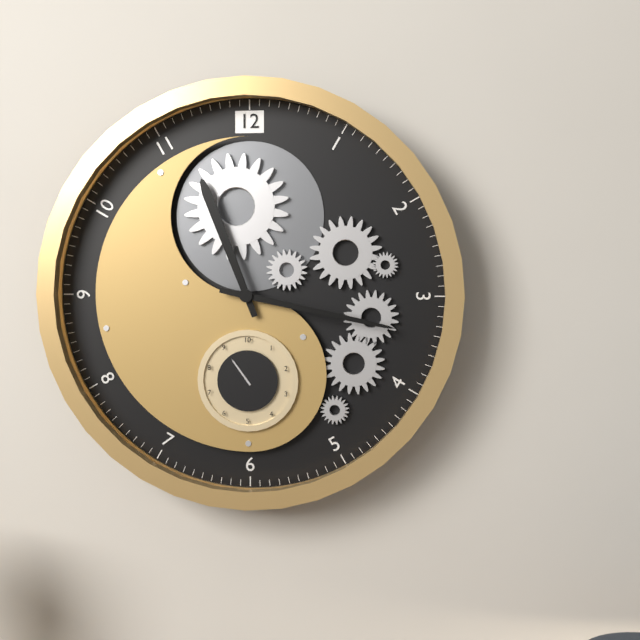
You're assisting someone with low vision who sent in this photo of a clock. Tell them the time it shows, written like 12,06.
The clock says 11,17
